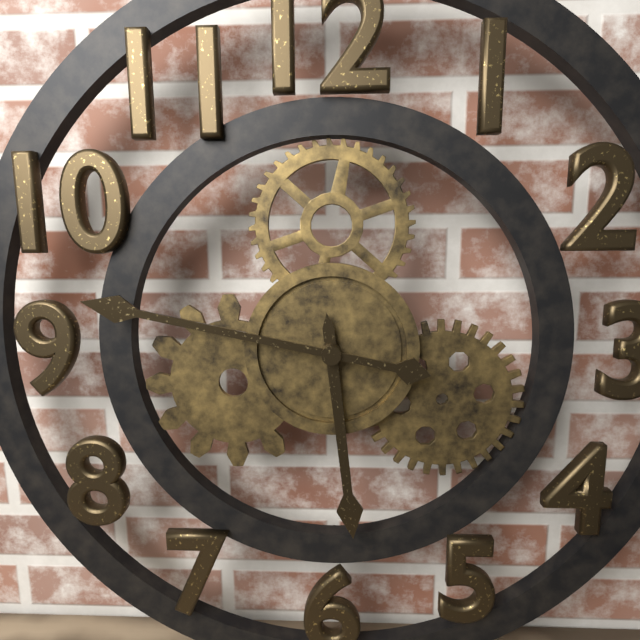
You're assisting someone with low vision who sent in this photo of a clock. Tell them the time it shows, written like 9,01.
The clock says 5,47
